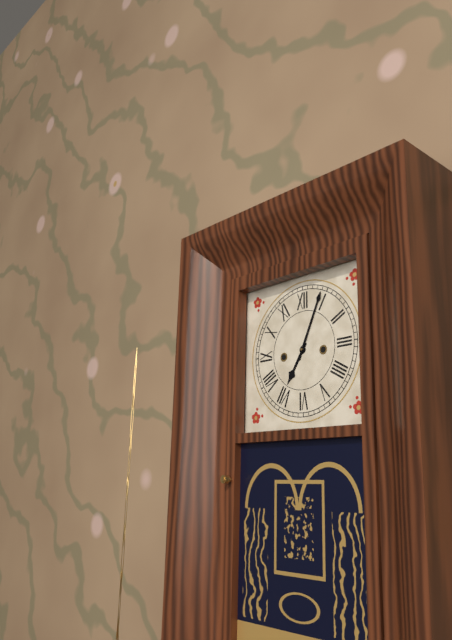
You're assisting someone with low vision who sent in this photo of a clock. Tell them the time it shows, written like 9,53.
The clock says 7,04
